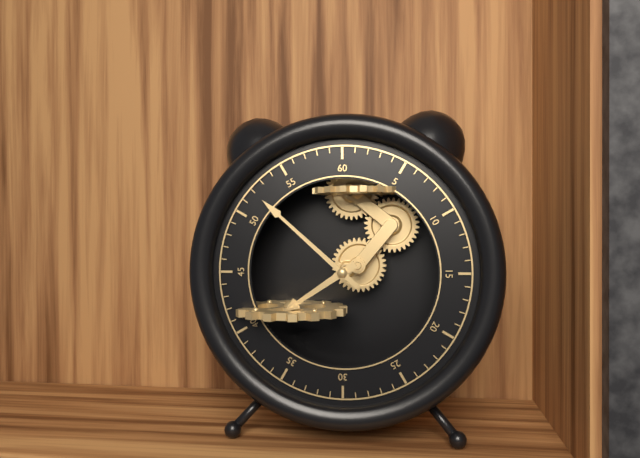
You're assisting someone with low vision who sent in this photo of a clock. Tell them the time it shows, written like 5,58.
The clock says 7,52
